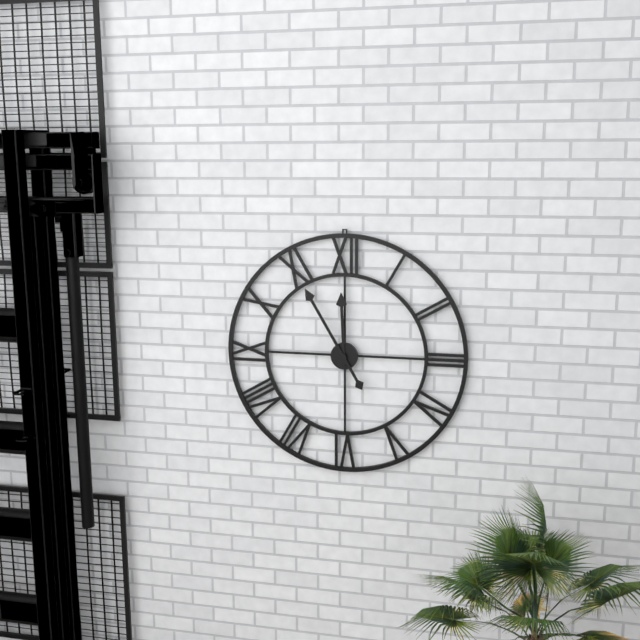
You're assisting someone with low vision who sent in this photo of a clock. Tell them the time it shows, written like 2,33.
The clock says 11,55
